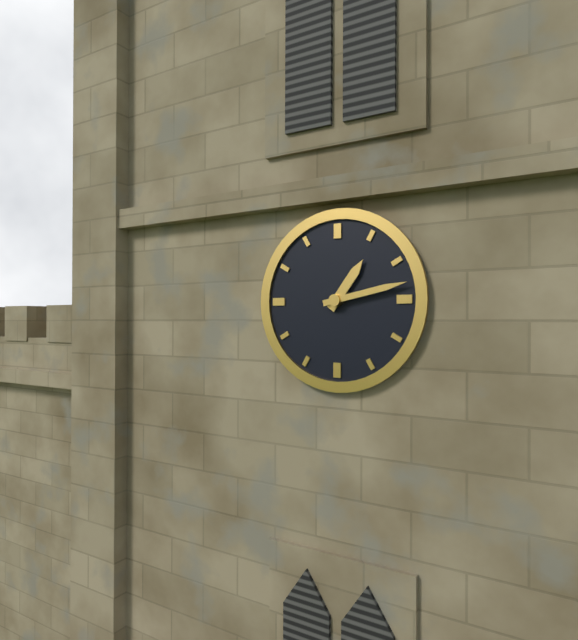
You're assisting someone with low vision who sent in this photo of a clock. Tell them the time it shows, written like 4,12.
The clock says 1,13
